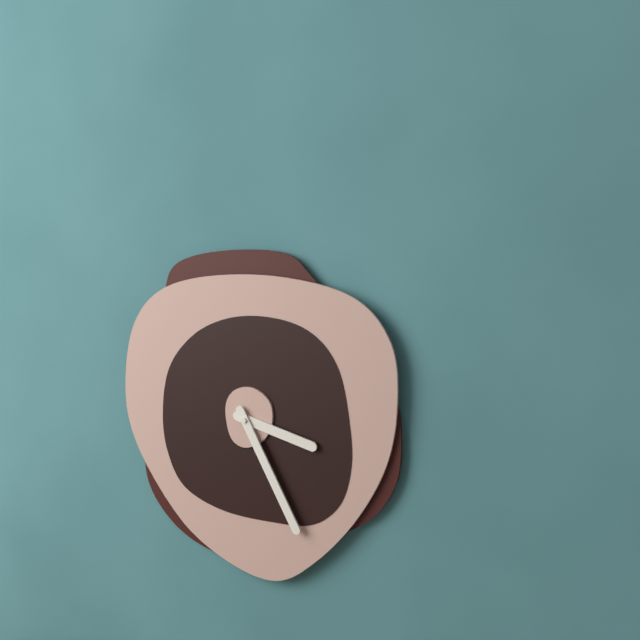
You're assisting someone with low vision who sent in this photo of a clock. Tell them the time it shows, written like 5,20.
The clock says 3,25
